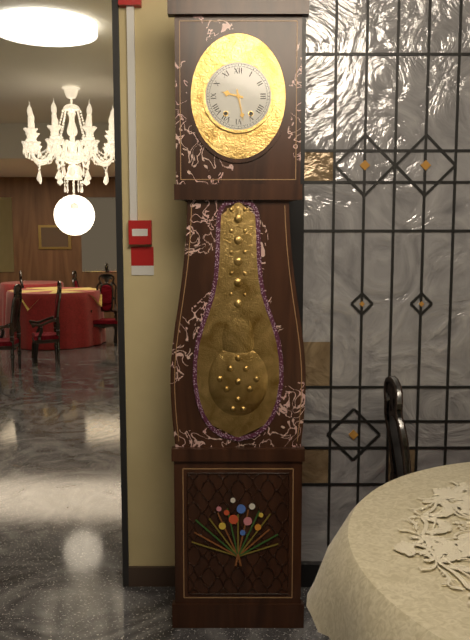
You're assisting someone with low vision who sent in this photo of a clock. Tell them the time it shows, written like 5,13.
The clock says 9,28
